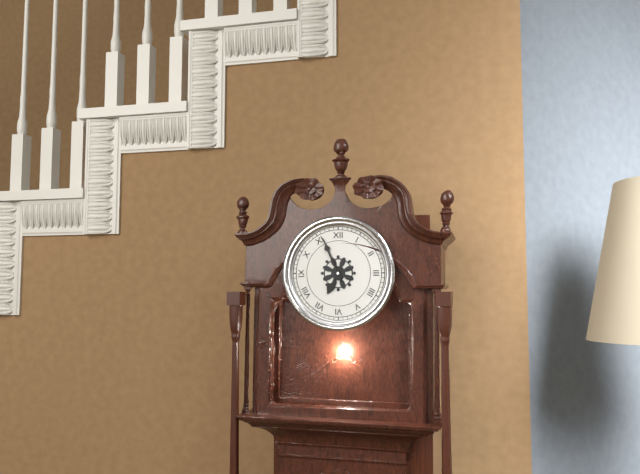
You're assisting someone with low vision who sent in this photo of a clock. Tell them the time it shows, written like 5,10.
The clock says 6,56
